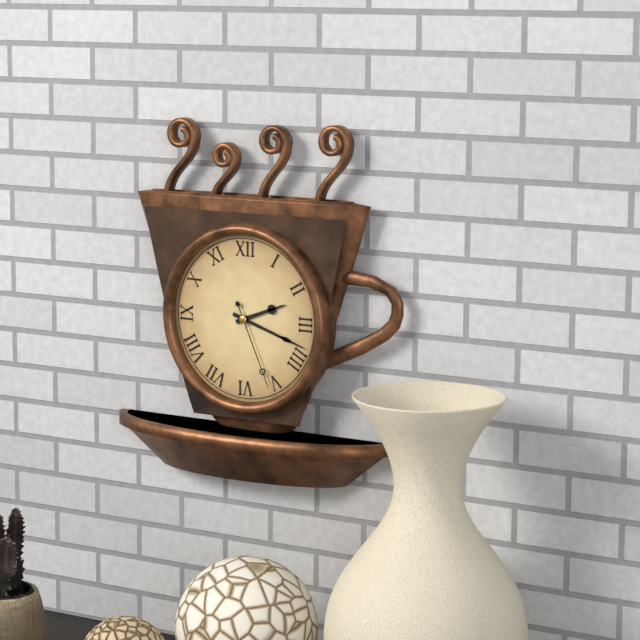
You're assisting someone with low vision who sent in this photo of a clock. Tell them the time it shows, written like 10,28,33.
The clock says 2,18,26
